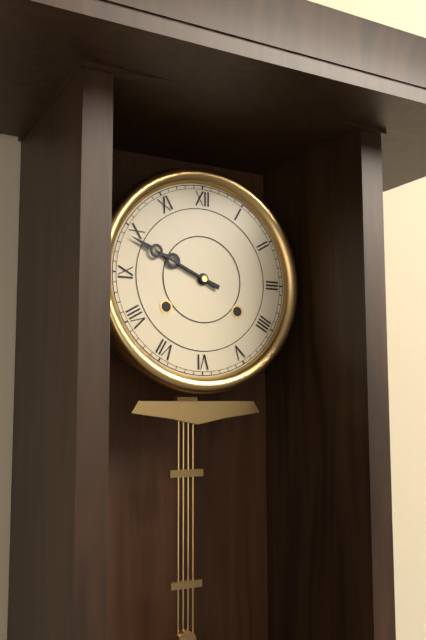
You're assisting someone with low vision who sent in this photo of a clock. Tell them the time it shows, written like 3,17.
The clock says 9,49
